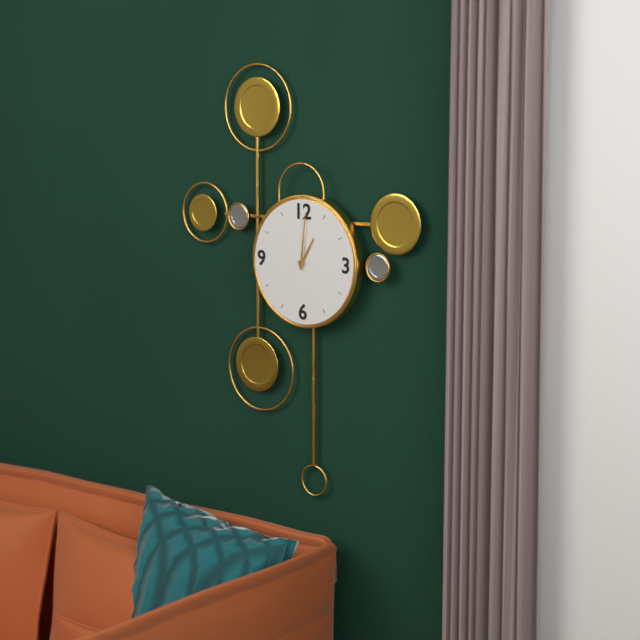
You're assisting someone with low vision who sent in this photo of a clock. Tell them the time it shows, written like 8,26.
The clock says 1,01
